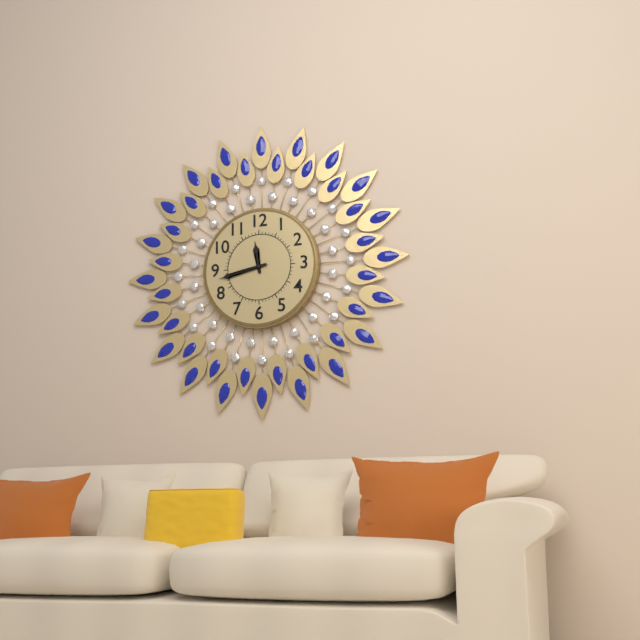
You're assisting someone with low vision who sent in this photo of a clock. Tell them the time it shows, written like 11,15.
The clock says 11,43
